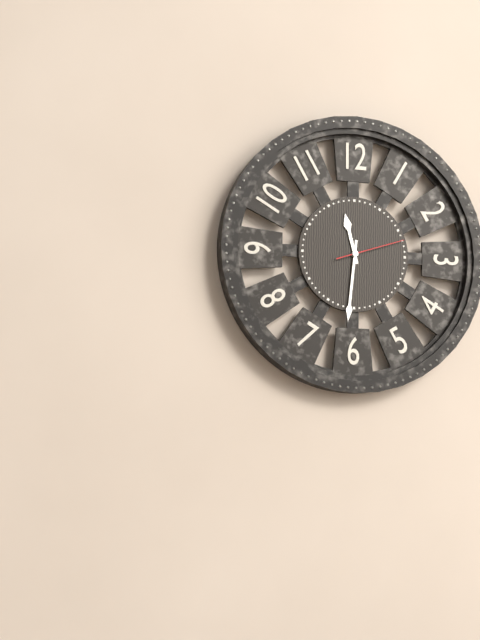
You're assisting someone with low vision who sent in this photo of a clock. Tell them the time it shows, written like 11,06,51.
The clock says 11,31,12
